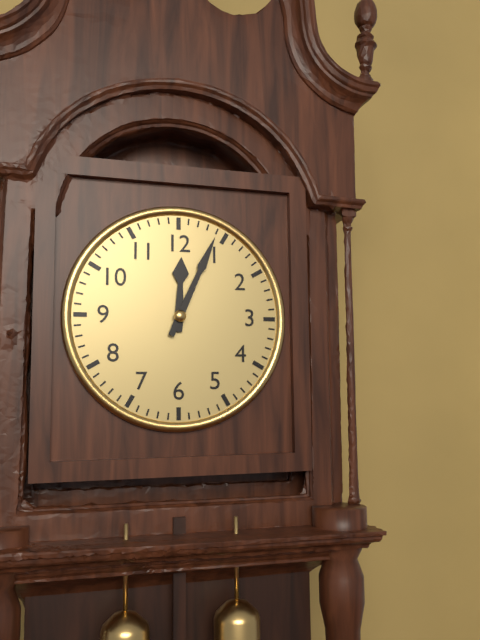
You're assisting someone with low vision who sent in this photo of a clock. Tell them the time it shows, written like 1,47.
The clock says 12,04
